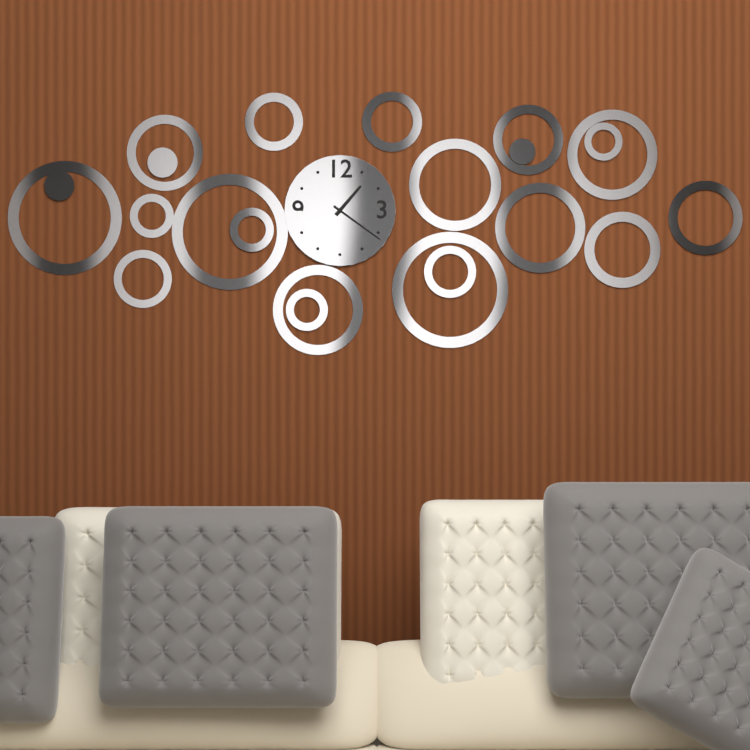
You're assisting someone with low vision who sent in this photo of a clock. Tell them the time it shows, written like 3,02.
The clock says 1,21
